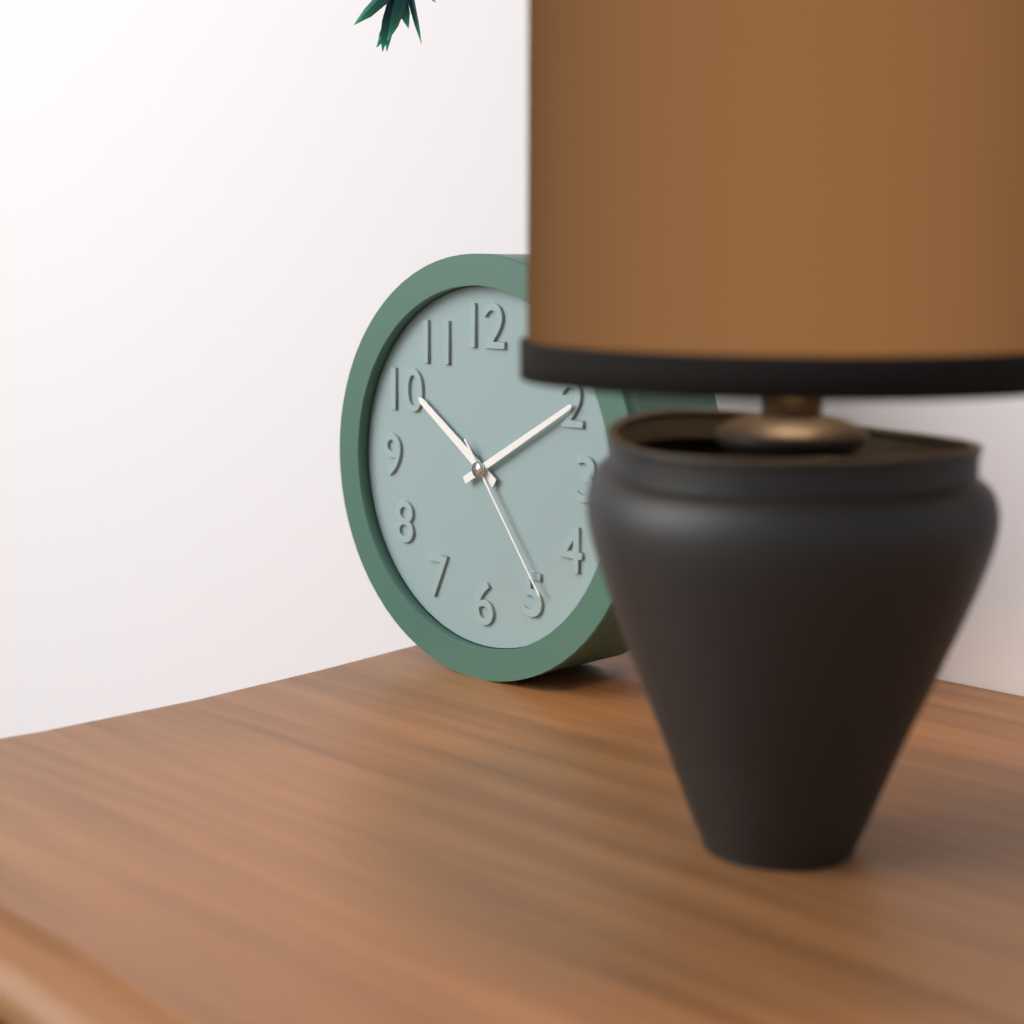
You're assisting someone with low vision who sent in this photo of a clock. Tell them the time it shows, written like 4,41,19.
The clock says 10,10,24
